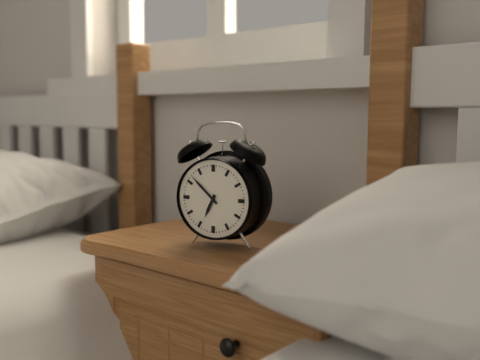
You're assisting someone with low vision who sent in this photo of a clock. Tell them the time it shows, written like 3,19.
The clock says 6,52
